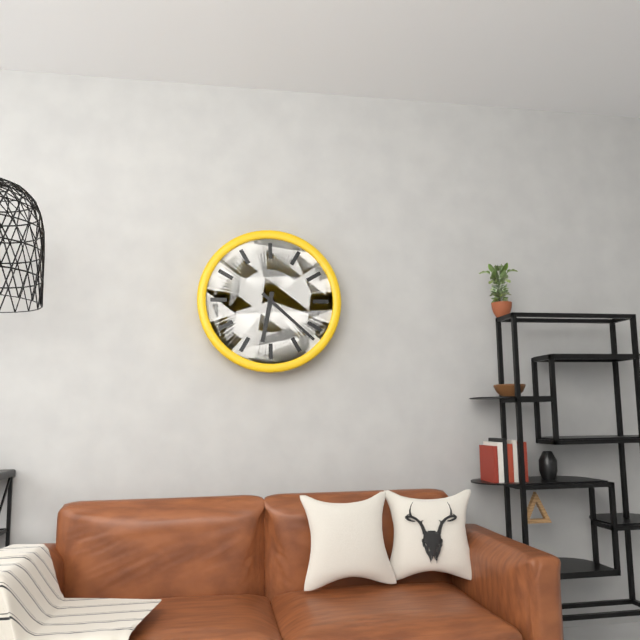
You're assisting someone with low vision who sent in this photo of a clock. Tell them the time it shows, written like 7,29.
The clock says 6,22
